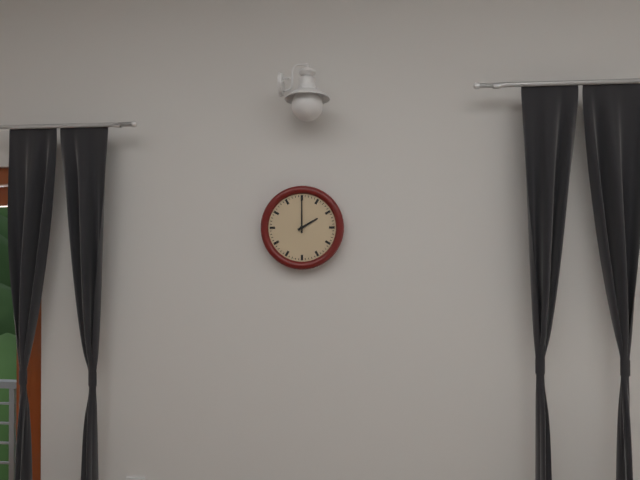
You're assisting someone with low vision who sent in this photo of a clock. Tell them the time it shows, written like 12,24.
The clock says 2,00
